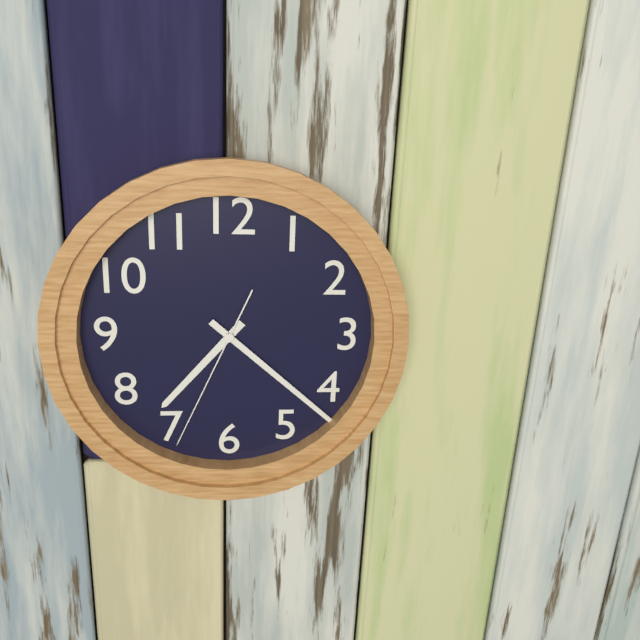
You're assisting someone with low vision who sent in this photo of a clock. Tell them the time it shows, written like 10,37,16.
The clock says 7,22,34
